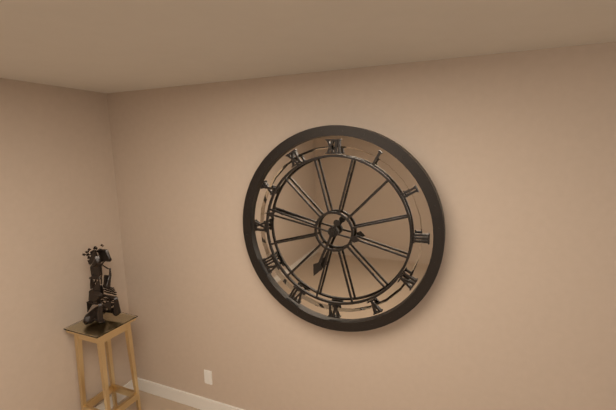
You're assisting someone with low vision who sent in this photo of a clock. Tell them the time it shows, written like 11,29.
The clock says 6,47
